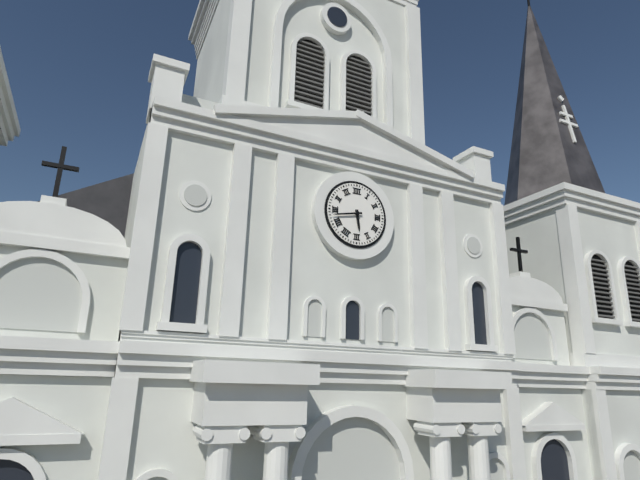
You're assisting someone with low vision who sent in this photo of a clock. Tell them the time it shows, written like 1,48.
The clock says 5,43
